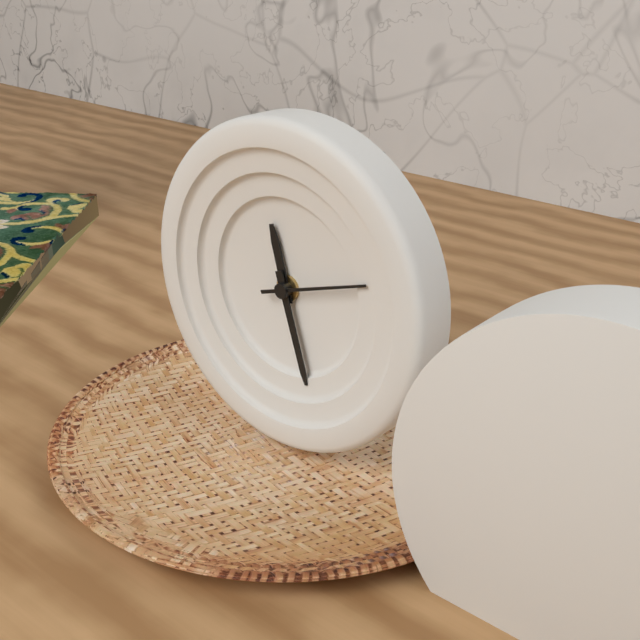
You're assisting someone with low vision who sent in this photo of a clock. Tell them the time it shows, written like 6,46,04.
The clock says 11,27,12
